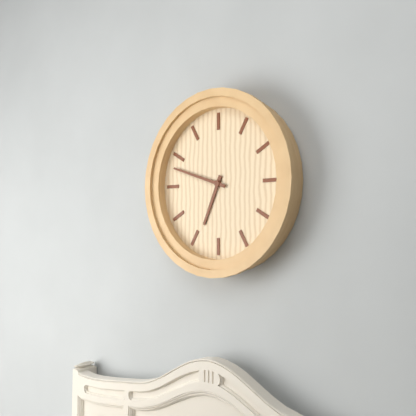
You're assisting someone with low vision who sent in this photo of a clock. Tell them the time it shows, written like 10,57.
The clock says 6,48
